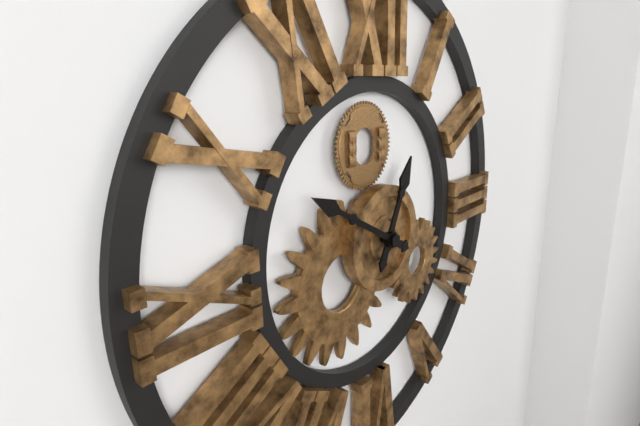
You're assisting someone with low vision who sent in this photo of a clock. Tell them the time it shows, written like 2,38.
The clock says 12,50
